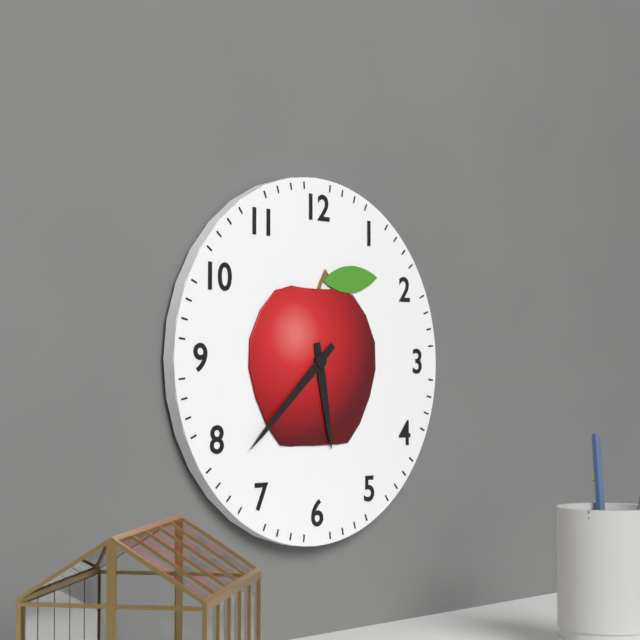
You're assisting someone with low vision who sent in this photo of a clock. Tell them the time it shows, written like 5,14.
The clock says 5,38
